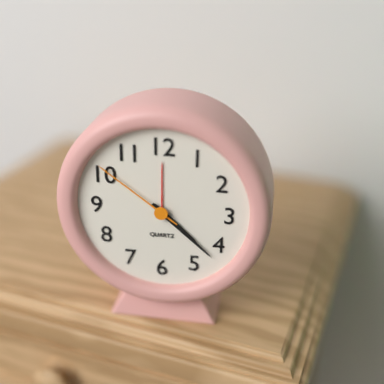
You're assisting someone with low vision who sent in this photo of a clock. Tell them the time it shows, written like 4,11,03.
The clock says 4,22,51
